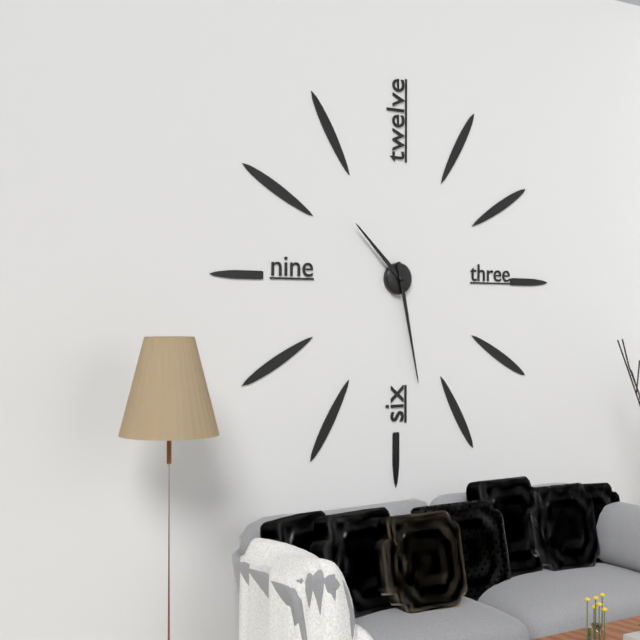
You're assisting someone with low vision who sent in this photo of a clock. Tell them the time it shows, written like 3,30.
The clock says 10,28
